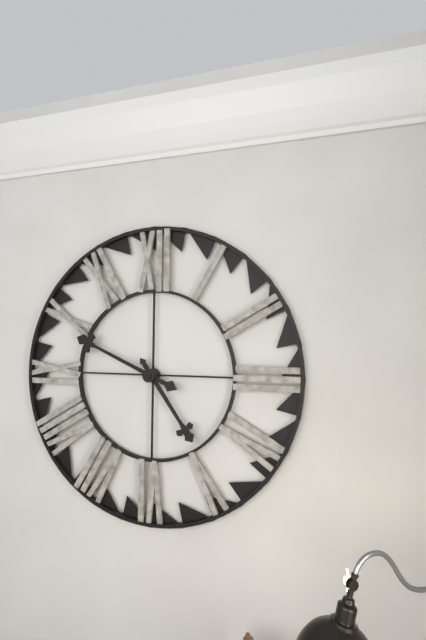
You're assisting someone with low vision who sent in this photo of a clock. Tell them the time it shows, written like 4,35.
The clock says 4,49
